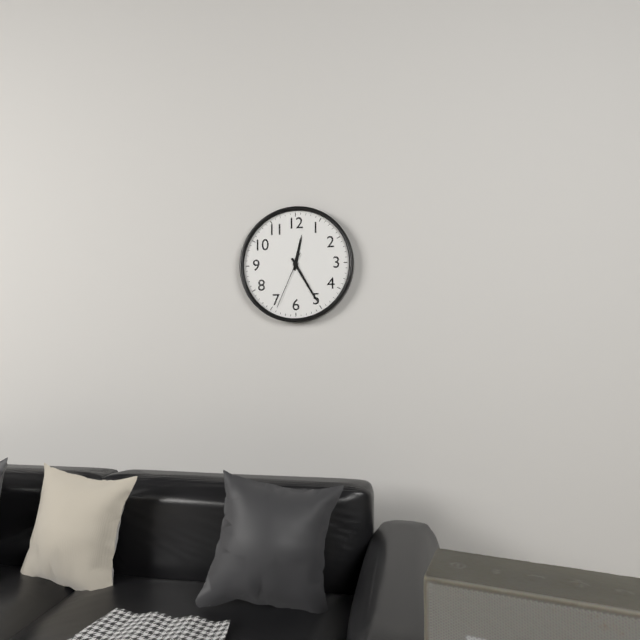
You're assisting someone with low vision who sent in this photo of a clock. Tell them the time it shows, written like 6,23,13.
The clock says 12,25,34
